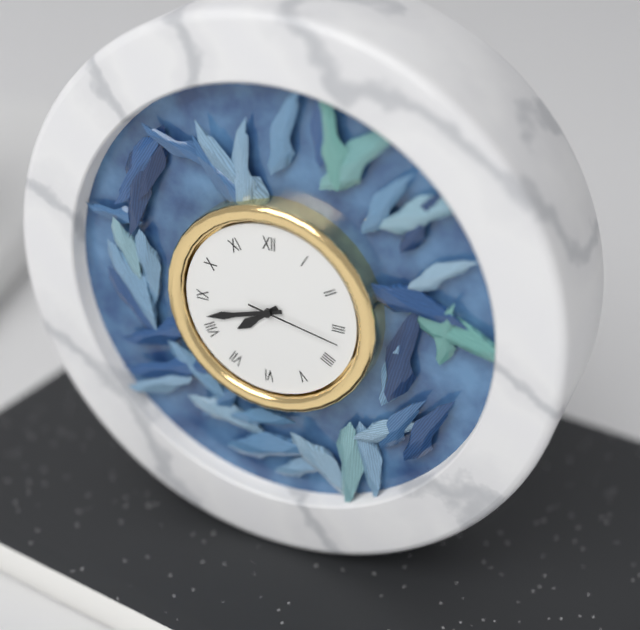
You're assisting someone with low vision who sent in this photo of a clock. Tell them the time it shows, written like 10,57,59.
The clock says 7,42,17
